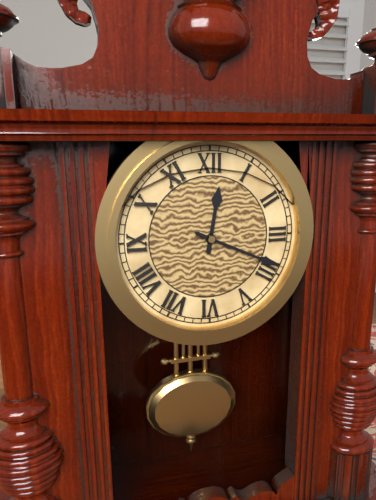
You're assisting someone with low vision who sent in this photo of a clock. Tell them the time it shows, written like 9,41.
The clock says 12,19
